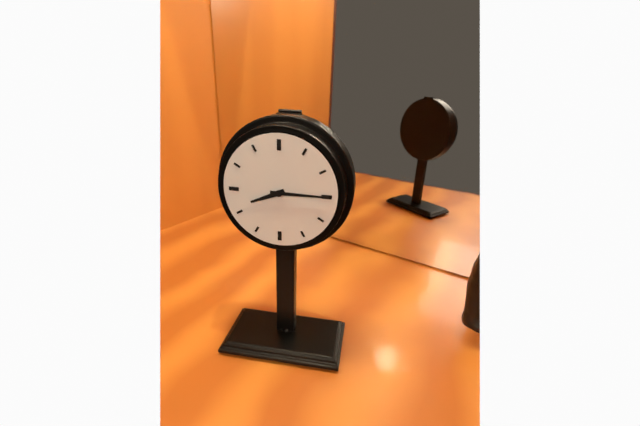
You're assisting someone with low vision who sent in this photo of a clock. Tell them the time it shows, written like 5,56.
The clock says 8,15
